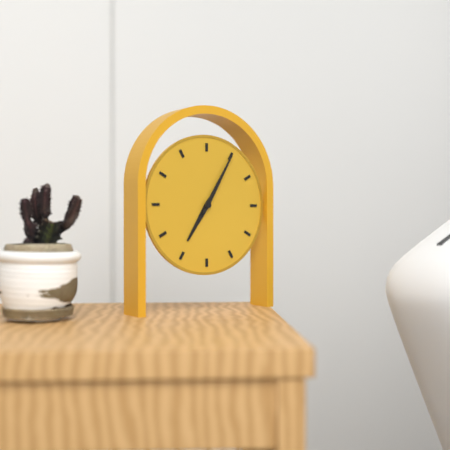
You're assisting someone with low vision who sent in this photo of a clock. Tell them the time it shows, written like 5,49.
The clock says 7,05
